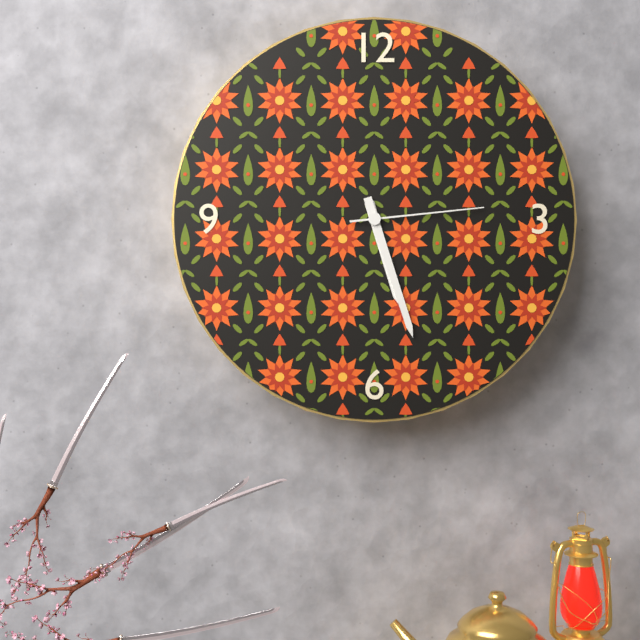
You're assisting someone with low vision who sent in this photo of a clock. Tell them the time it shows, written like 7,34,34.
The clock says 5,27,14
